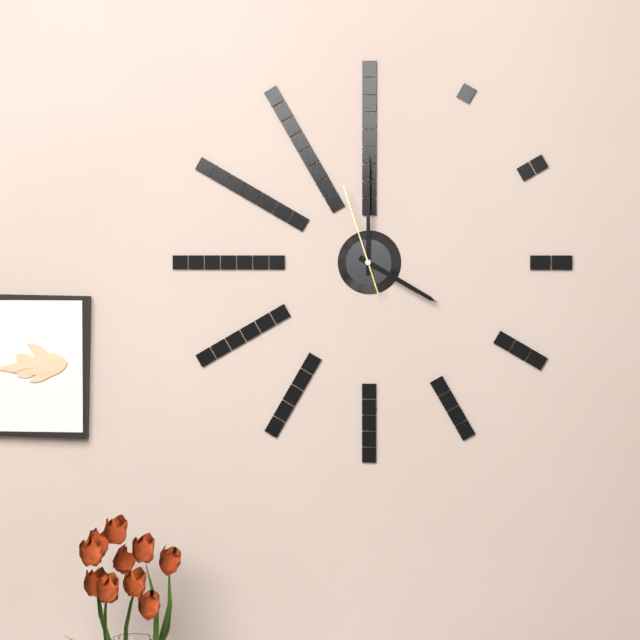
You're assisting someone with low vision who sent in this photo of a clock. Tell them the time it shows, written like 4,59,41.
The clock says 4,00,57
